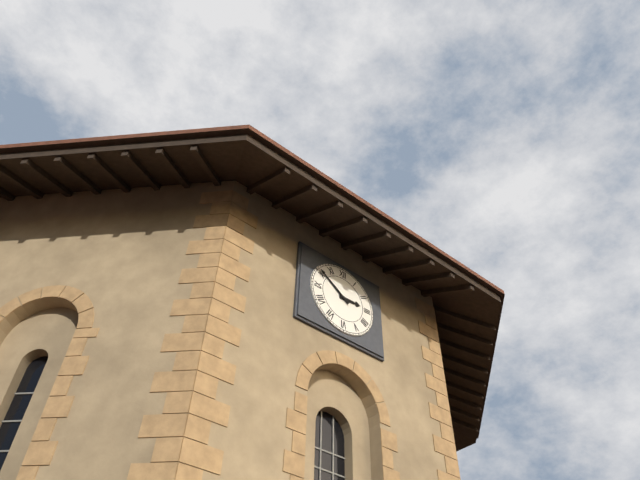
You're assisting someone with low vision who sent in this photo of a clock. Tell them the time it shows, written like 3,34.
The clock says 2,51
